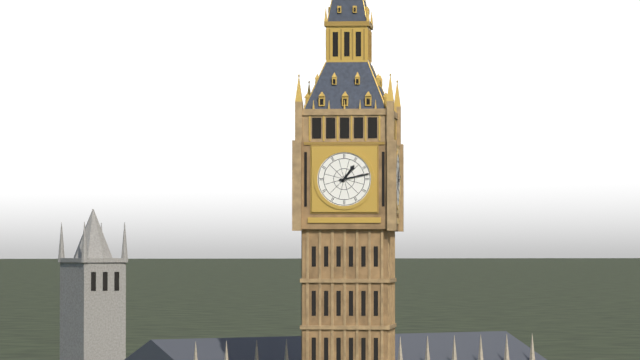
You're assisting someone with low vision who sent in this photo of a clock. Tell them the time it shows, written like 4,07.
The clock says 1,13
